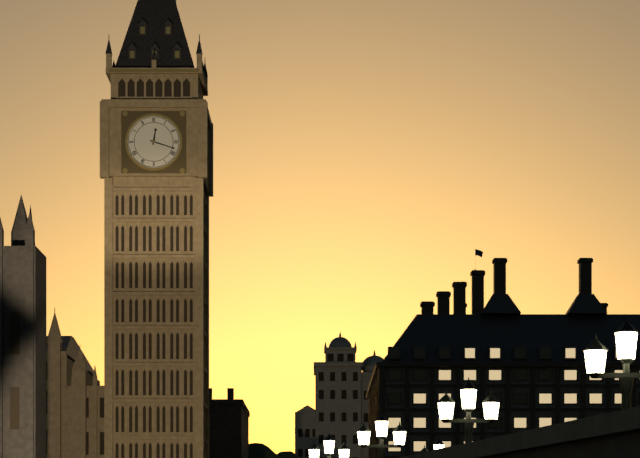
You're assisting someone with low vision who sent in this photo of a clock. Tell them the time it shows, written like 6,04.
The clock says 12,18
